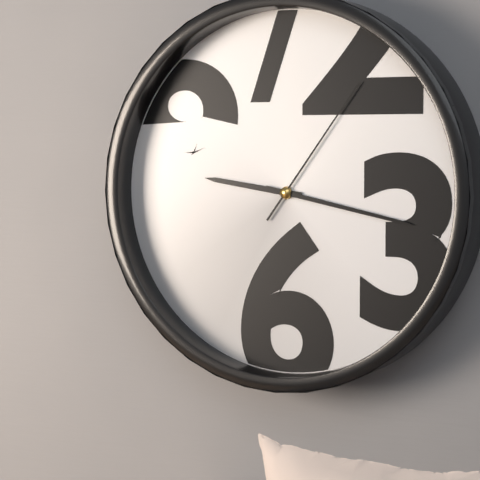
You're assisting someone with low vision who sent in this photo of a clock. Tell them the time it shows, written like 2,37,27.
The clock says 9,17,06
